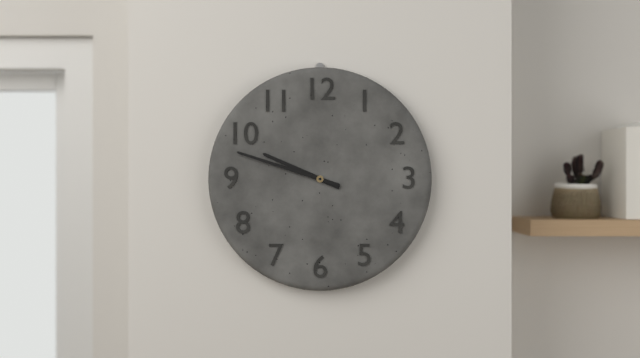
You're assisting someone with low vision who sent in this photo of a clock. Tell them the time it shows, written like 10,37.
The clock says 9,48
